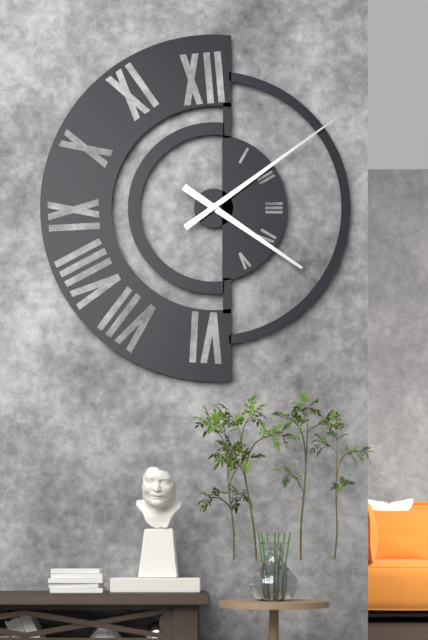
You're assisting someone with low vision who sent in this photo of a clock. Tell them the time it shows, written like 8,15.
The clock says 4,09
